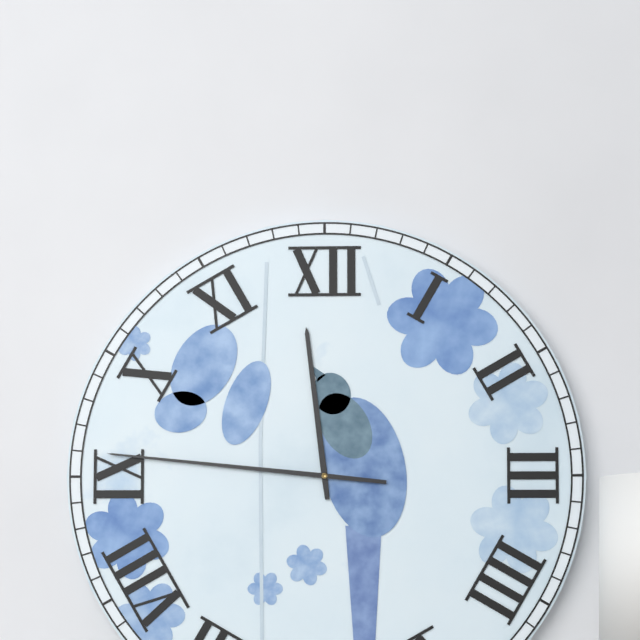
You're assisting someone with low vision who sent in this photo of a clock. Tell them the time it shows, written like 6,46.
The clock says 11,46
